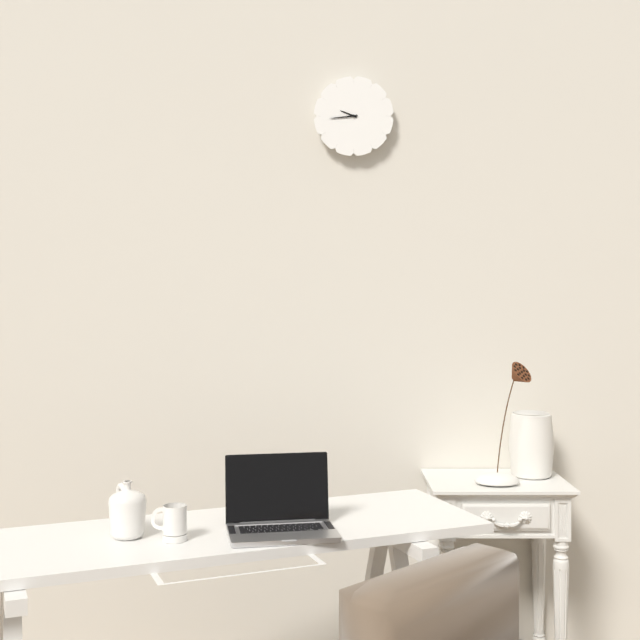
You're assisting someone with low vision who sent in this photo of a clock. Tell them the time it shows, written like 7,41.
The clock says 9,44
